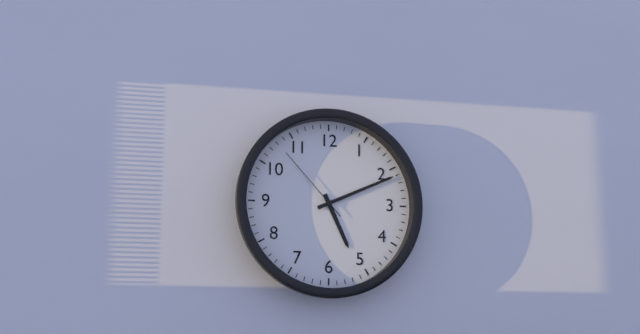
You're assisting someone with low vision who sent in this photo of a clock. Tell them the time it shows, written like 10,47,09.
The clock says 5,11,53
